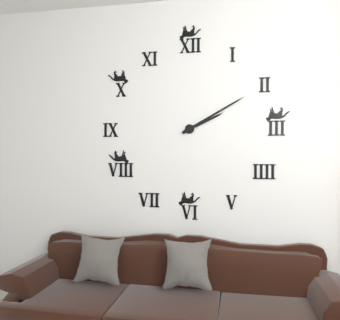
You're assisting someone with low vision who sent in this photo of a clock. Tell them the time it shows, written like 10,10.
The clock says 2,10
